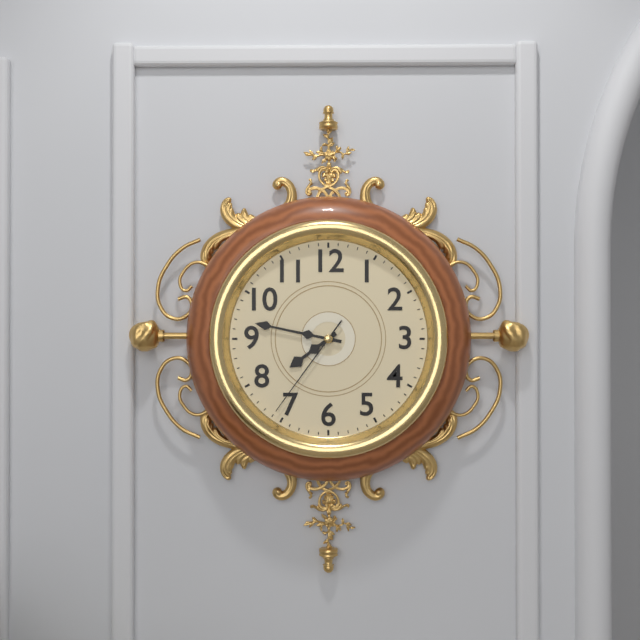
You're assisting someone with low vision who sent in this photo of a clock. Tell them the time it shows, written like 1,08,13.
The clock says 7,47,36
